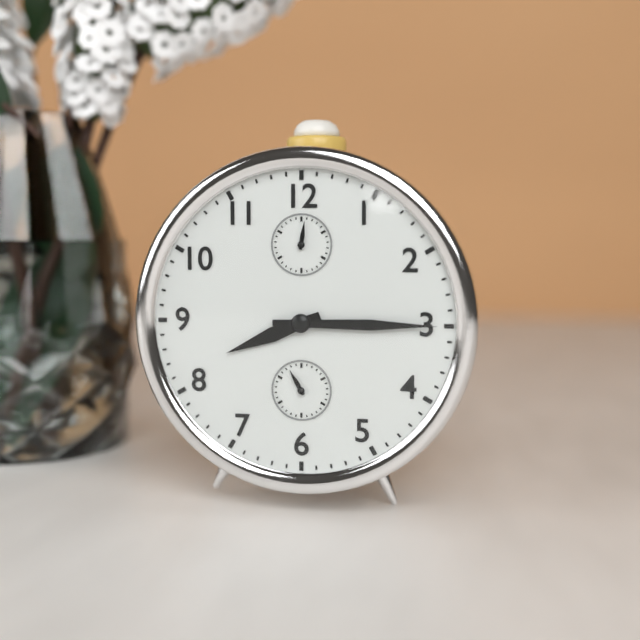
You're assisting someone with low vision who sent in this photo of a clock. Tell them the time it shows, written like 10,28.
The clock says 8,15
